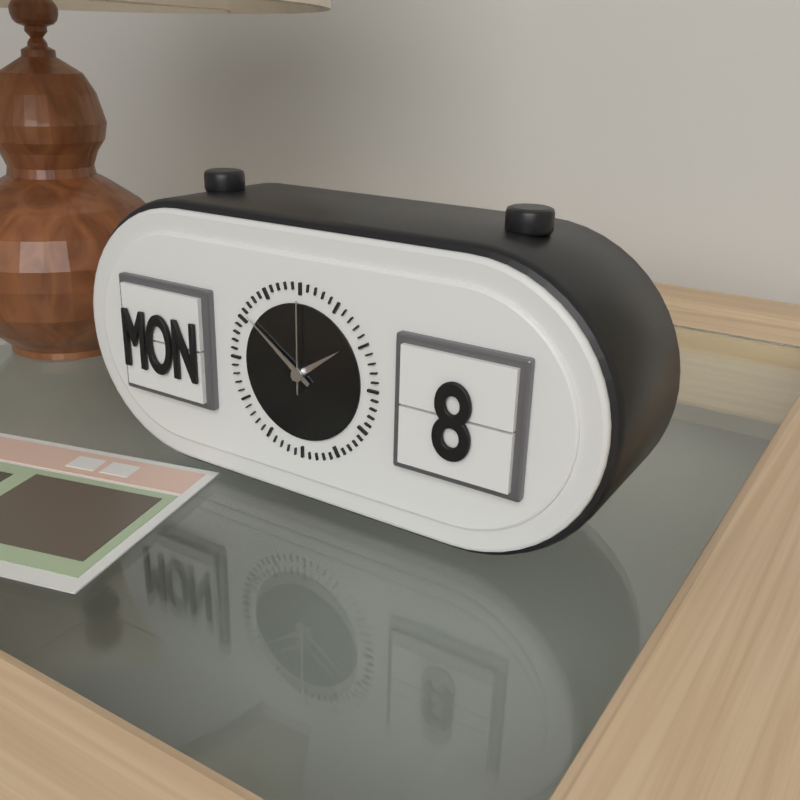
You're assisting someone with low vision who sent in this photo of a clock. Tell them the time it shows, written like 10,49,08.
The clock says 1,51,00
